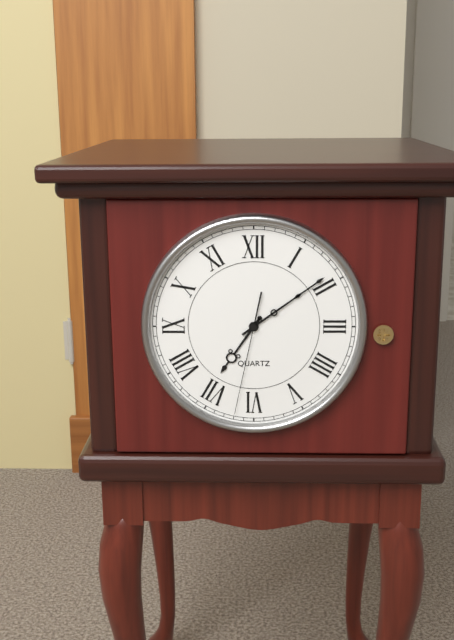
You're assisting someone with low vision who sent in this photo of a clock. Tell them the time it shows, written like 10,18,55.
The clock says 7,09,32
